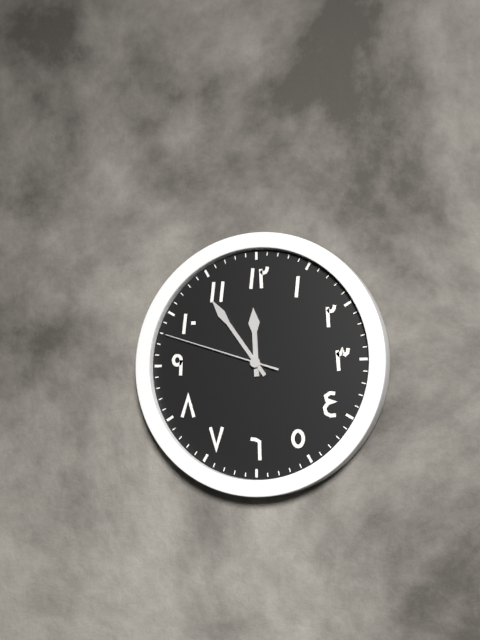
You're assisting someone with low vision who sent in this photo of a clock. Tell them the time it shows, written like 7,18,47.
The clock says 11,54,48
